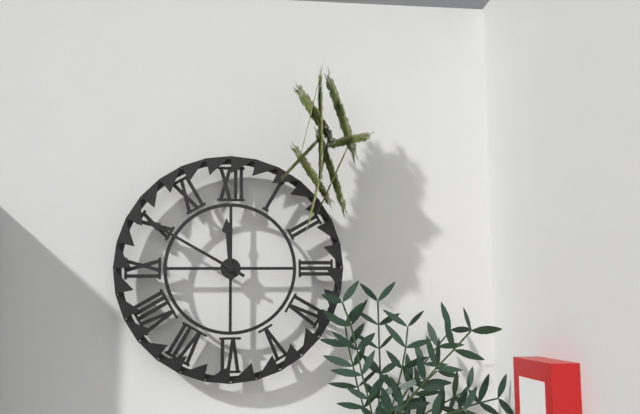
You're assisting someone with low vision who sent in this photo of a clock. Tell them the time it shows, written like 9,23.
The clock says 11,50
